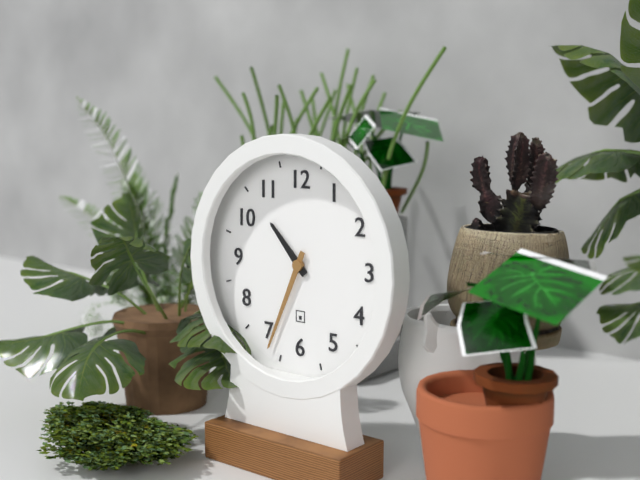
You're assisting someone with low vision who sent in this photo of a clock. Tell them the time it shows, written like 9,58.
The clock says 10,34
